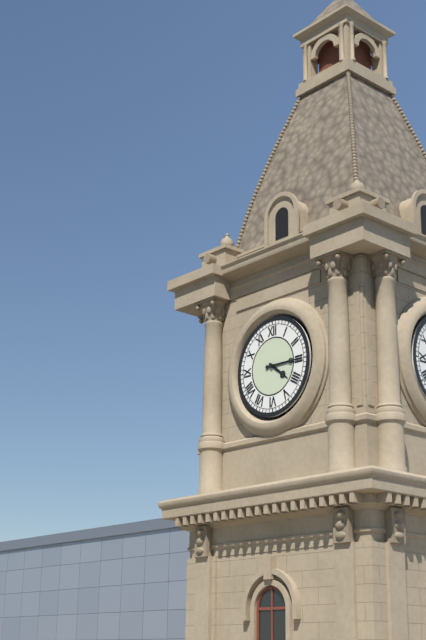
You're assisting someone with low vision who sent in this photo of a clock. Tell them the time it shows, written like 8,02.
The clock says 4,15
